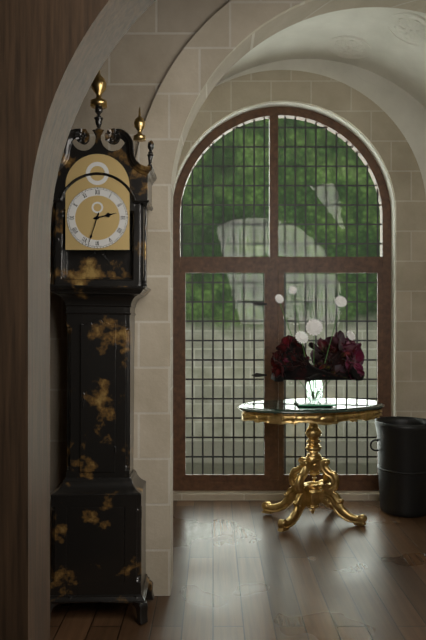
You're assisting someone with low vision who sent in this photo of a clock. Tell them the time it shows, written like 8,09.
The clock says 2,33
